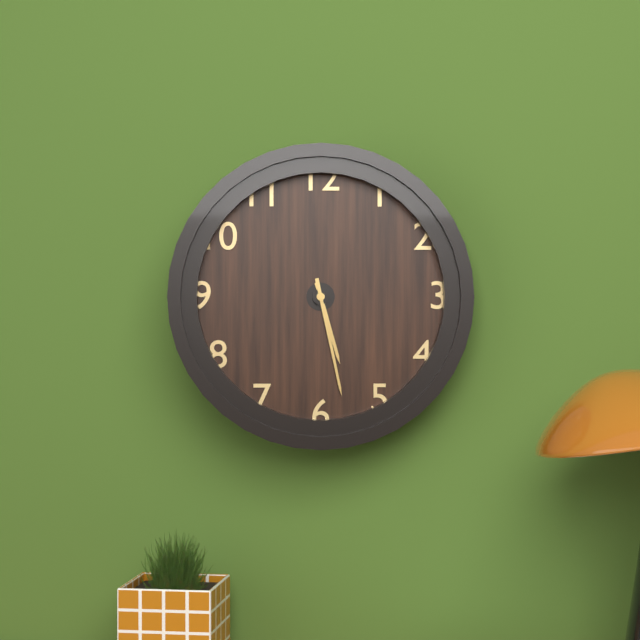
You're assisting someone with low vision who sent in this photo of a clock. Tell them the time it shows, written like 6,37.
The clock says 5,28
